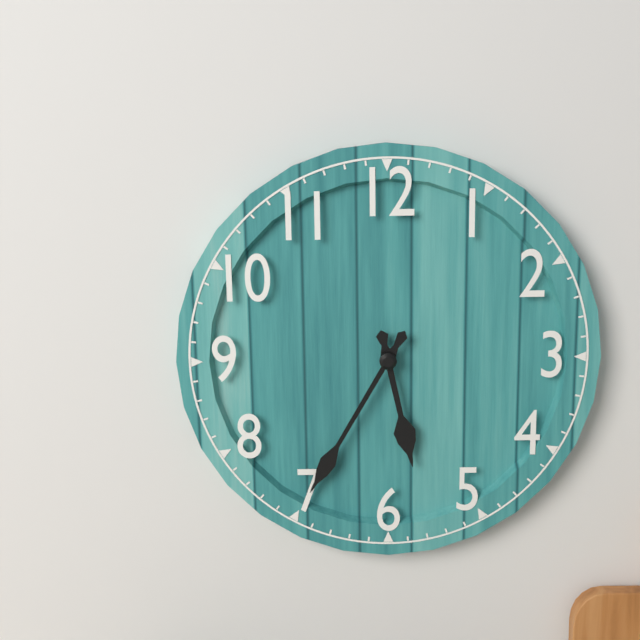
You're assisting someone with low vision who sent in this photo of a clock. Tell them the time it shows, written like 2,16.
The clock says 5,35
